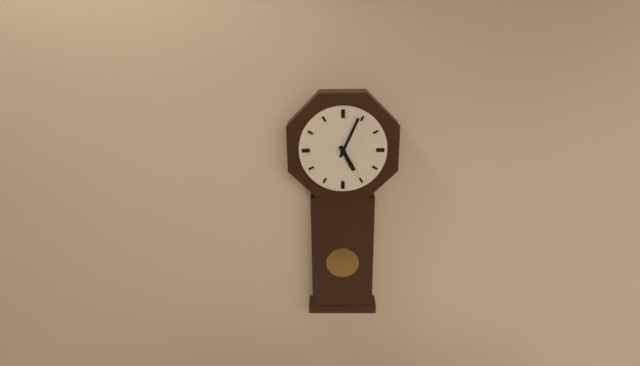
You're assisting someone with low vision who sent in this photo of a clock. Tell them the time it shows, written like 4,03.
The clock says 5,04
